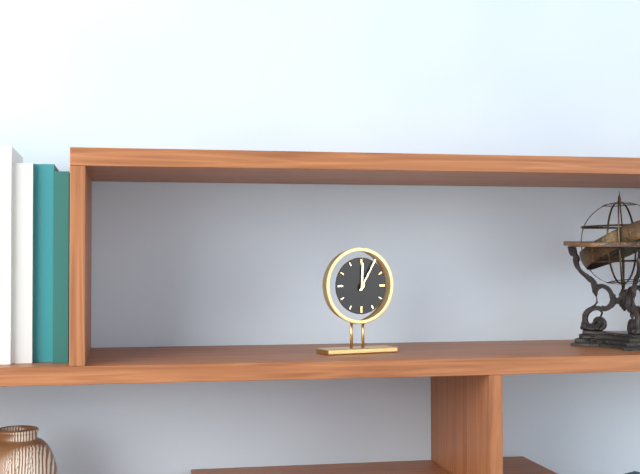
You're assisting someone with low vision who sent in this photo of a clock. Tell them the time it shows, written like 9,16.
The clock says 12,05
